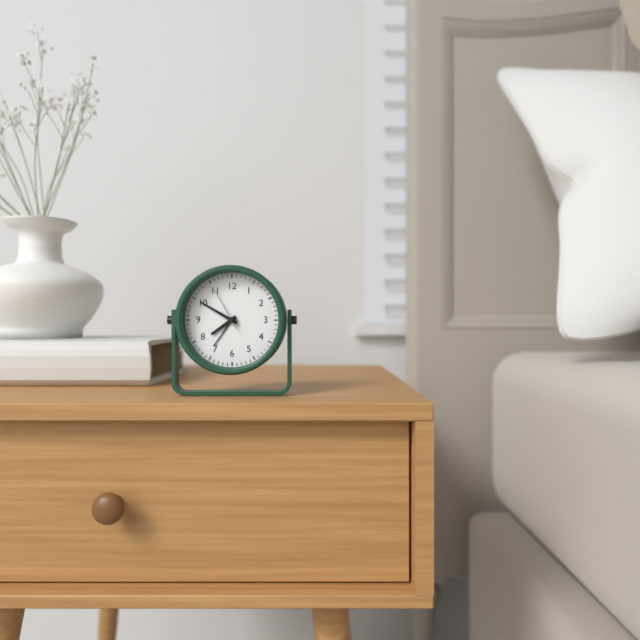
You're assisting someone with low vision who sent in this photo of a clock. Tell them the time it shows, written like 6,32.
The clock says 7,50
